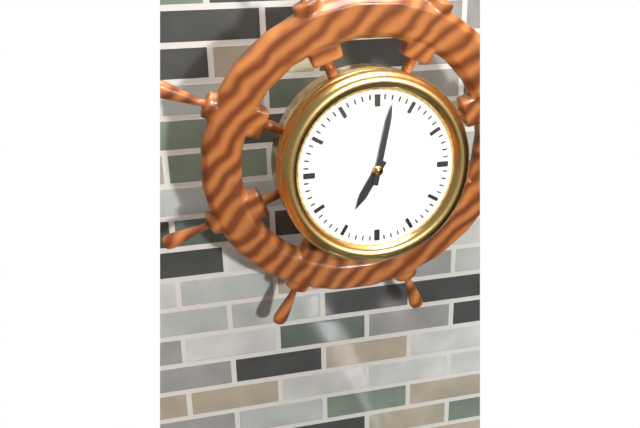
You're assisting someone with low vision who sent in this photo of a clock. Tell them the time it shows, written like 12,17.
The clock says 7,02
